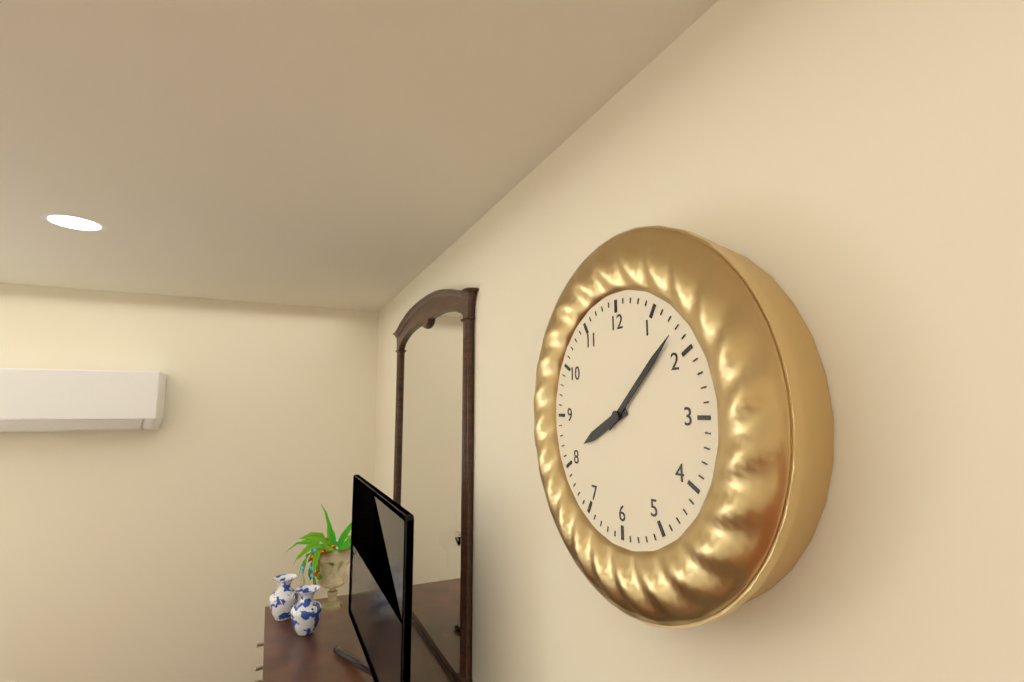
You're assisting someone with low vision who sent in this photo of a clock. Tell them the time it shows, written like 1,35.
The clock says 8,08
